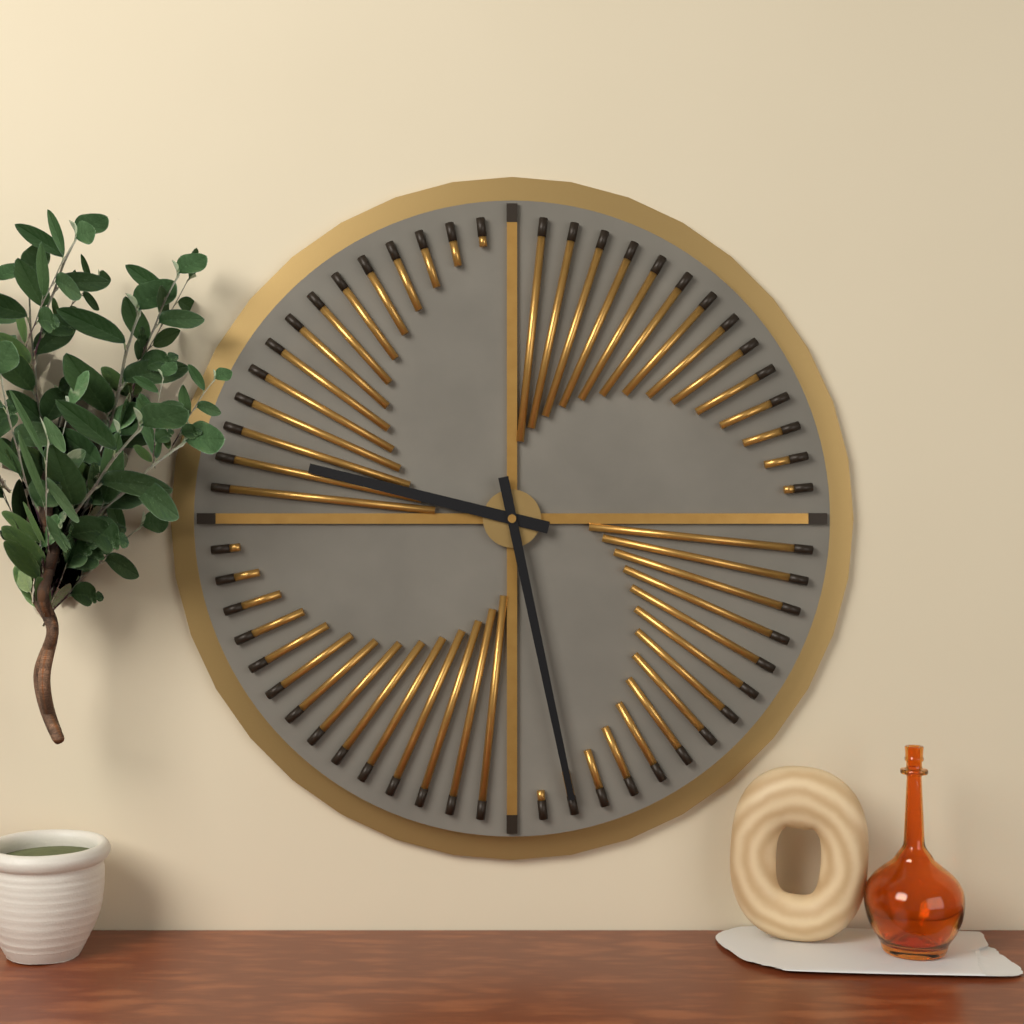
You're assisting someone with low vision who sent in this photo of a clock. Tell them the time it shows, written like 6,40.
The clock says 9,28
